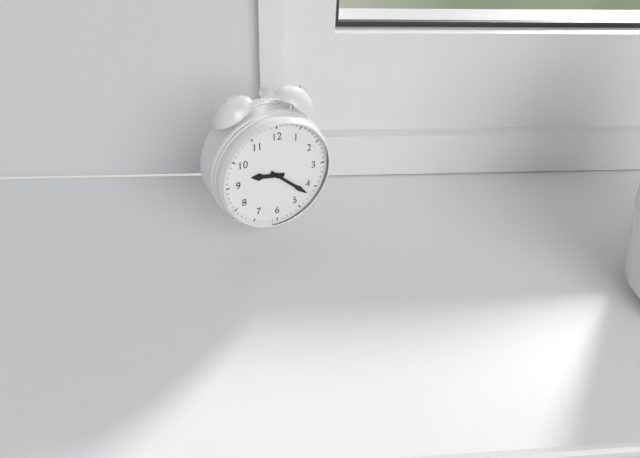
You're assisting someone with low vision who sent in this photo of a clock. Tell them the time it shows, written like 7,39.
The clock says 9,22
